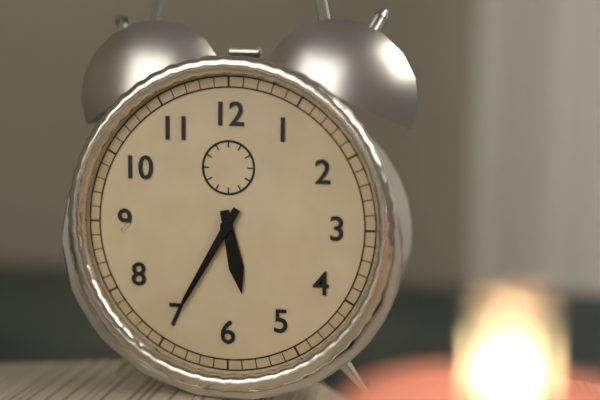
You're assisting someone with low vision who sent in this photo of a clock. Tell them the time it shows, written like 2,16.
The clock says 5,35
